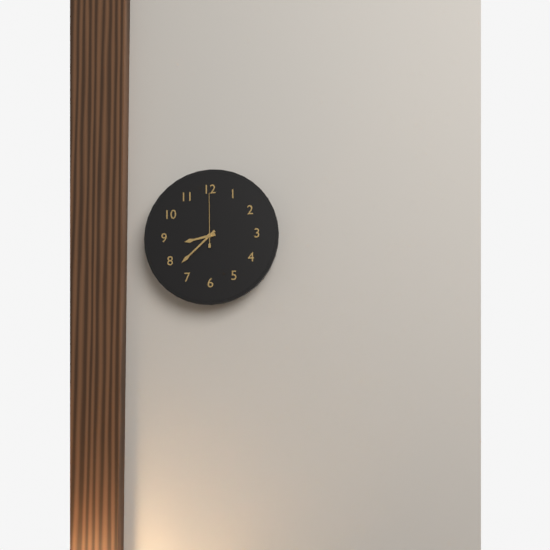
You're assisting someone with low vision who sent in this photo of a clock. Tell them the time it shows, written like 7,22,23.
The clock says 8,38,00
